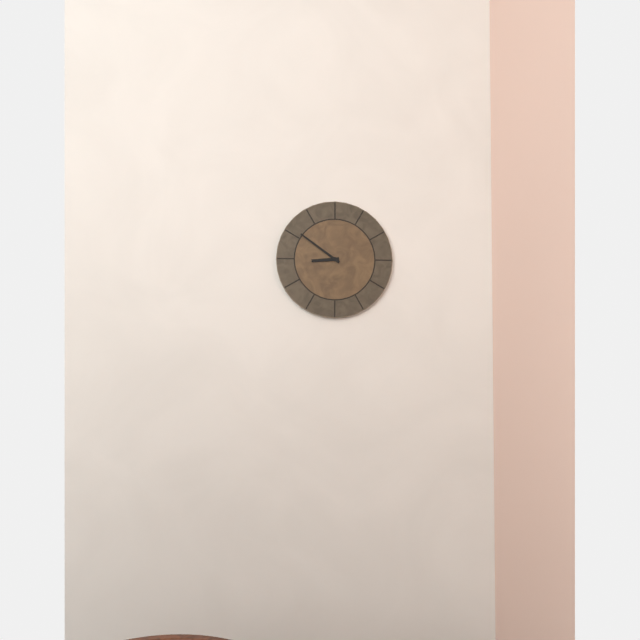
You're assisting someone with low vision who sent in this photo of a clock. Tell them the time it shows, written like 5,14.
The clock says 8,51
